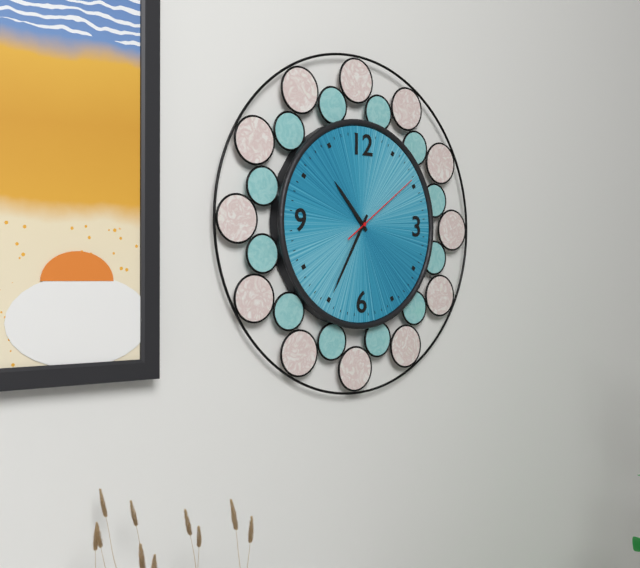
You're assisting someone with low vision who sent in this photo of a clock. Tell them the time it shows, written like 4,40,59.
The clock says 10,35,09
